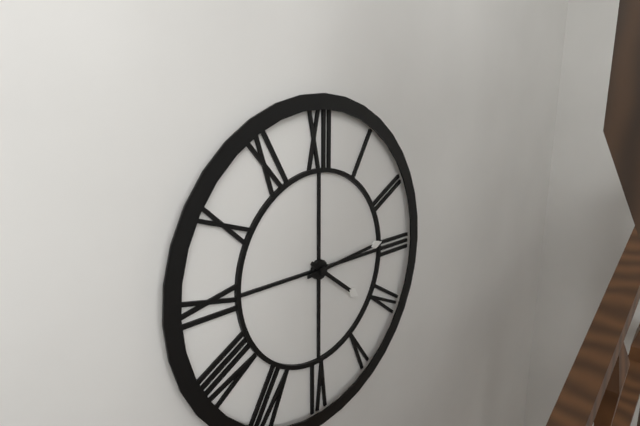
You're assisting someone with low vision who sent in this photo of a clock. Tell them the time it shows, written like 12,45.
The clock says 4,14
